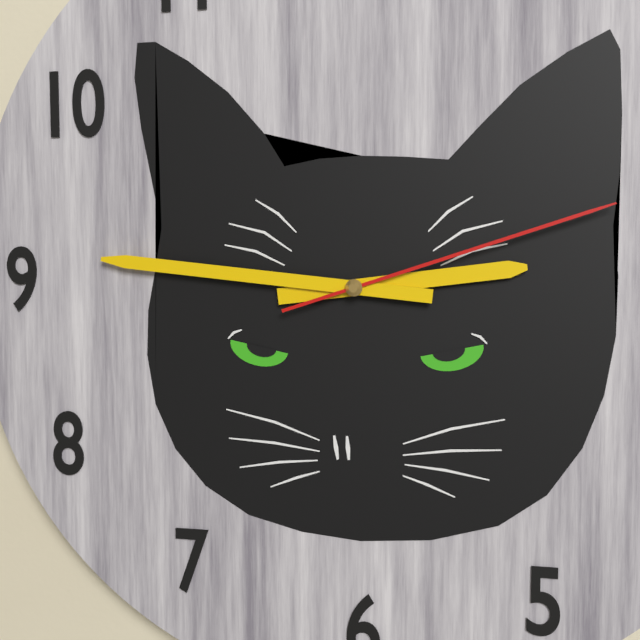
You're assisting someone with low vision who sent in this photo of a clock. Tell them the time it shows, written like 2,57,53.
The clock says 2,46,12
